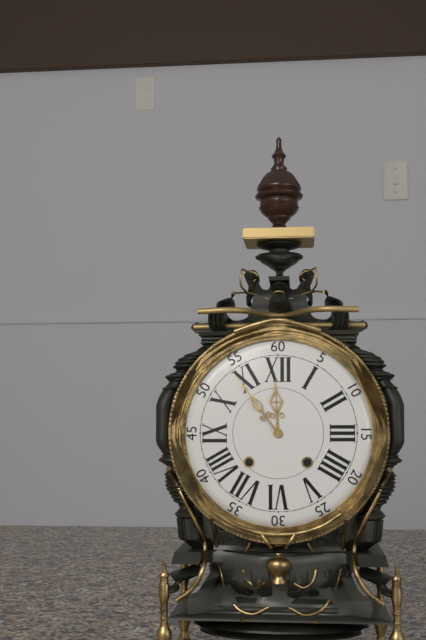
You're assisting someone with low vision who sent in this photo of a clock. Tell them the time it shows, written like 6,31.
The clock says 11,54
